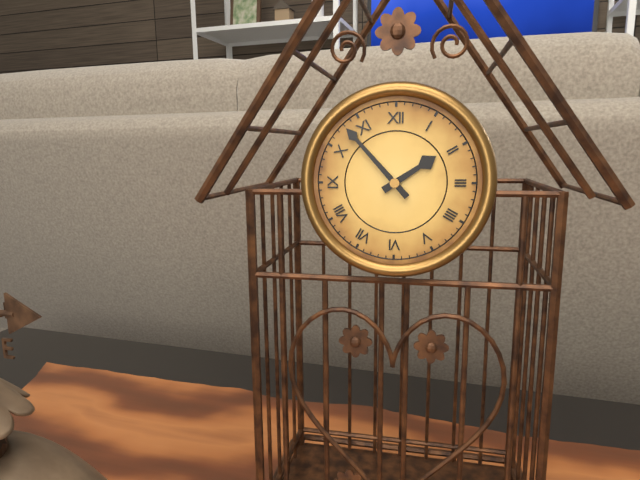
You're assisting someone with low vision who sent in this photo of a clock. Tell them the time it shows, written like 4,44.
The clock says 1,53
